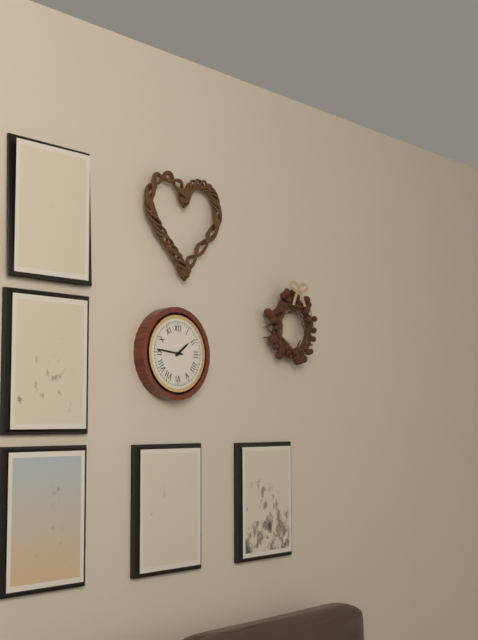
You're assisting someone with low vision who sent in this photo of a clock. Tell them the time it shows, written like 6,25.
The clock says 1,46
